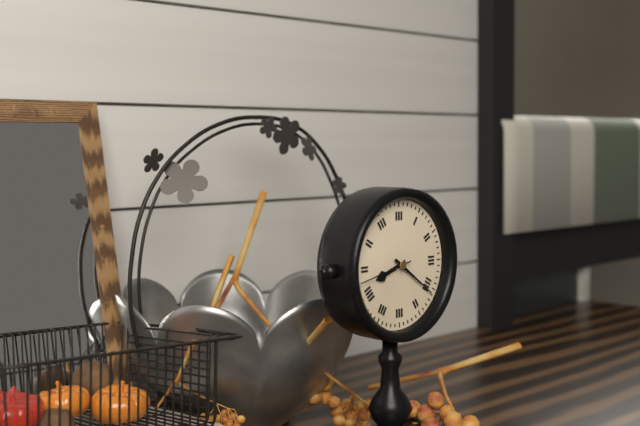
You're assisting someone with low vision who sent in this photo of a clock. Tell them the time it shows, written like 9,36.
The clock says 8,21
